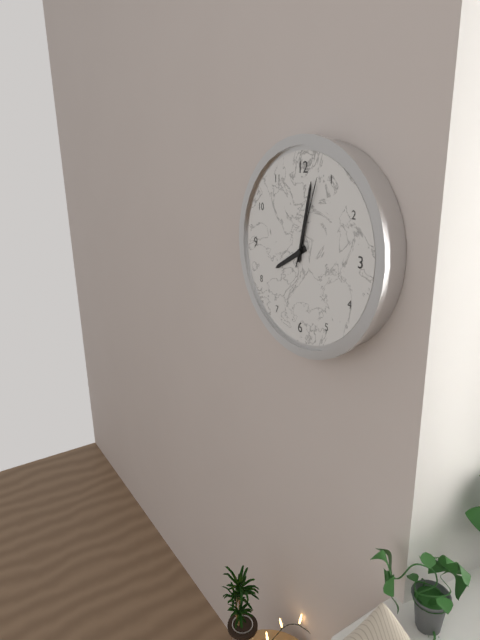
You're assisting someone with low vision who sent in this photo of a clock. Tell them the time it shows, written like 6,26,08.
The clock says 8,02,03
